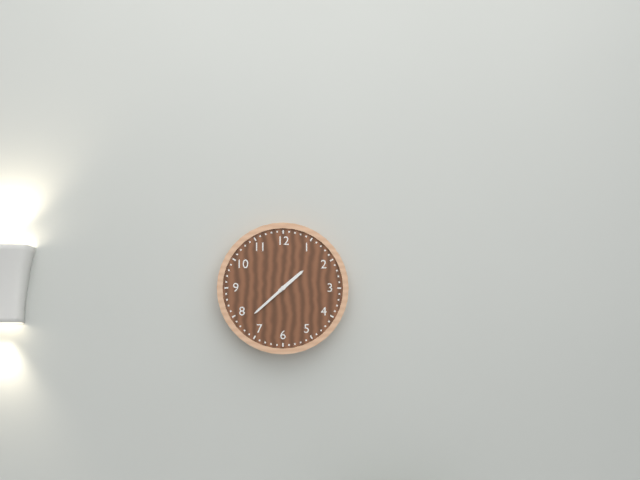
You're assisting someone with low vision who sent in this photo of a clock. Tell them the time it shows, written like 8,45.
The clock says 1,38
